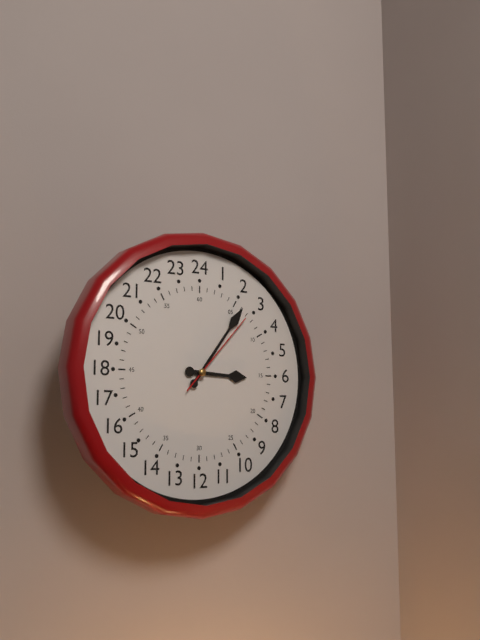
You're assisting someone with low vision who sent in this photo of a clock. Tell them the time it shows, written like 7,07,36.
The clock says 3,06,07
